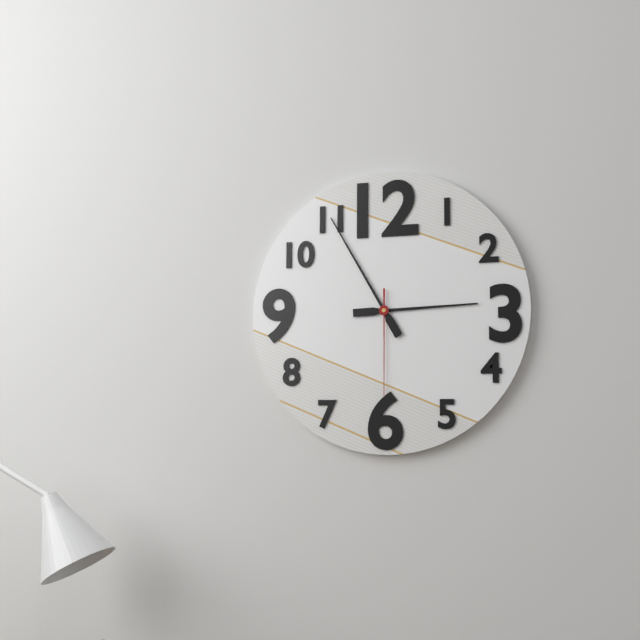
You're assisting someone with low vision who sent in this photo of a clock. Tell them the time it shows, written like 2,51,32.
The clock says 2,55,30
